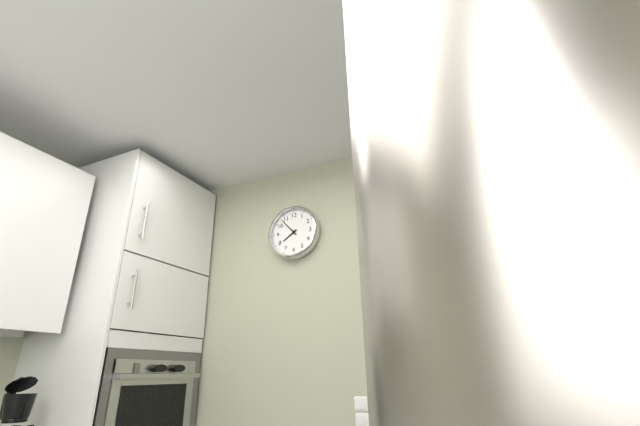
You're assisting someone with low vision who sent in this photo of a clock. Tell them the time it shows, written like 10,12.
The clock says 7,53
